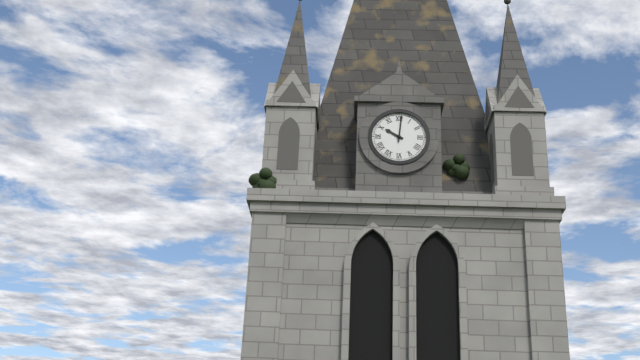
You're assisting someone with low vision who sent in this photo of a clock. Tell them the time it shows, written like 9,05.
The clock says 10,01
